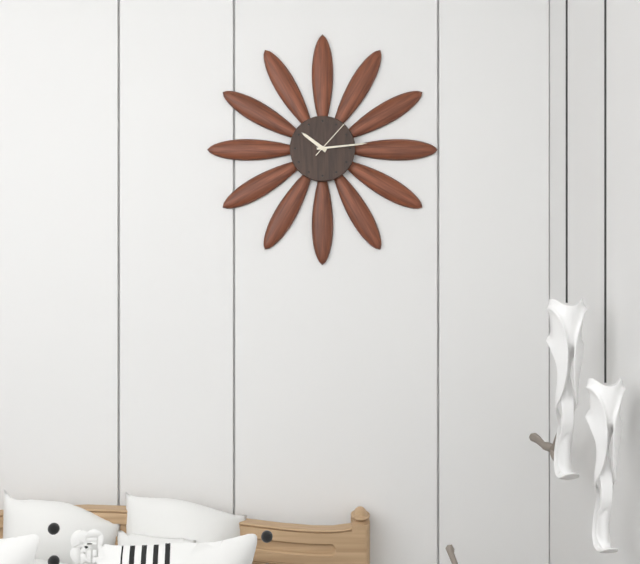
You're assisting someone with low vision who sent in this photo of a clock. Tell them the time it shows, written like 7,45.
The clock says 10,14
